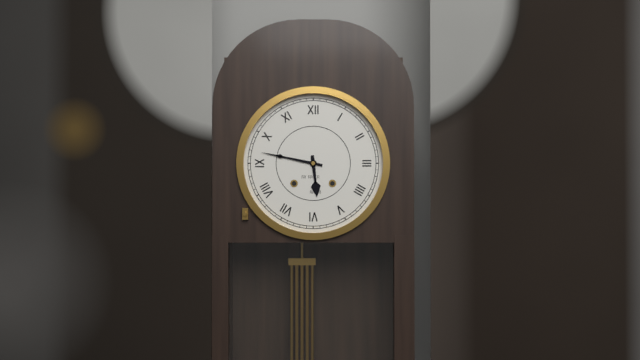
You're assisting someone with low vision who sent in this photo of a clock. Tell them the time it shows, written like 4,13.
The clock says 5,47
